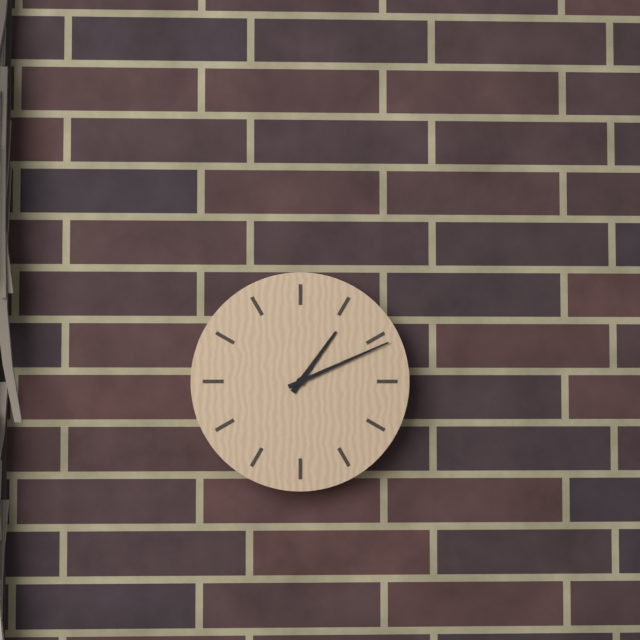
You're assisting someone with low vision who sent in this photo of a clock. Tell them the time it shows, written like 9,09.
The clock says 1,11
